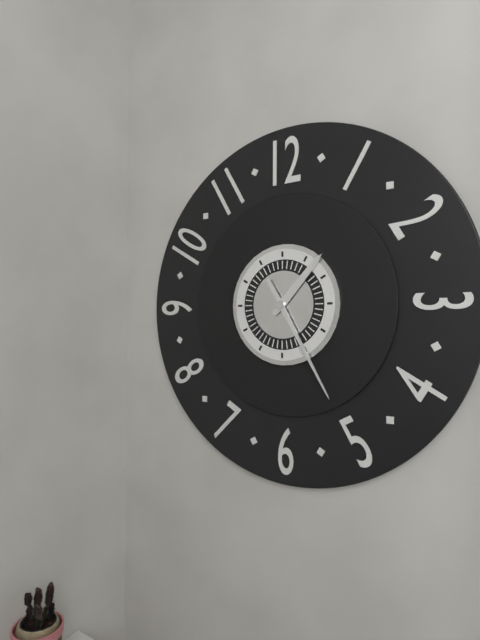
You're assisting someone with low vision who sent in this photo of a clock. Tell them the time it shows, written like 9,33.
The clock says 1,25
